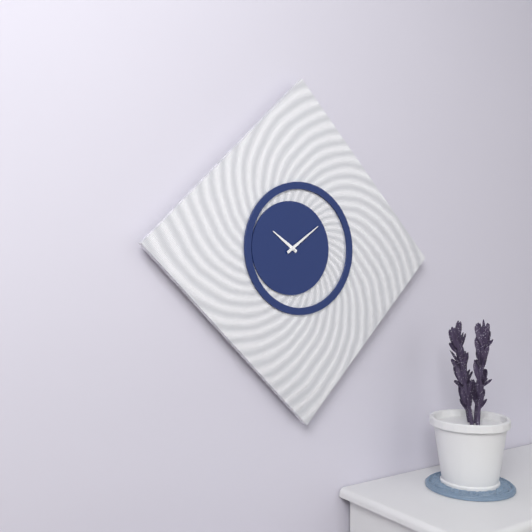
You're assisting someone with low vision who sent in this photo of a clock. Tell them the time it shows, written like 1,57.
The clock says 10,09
